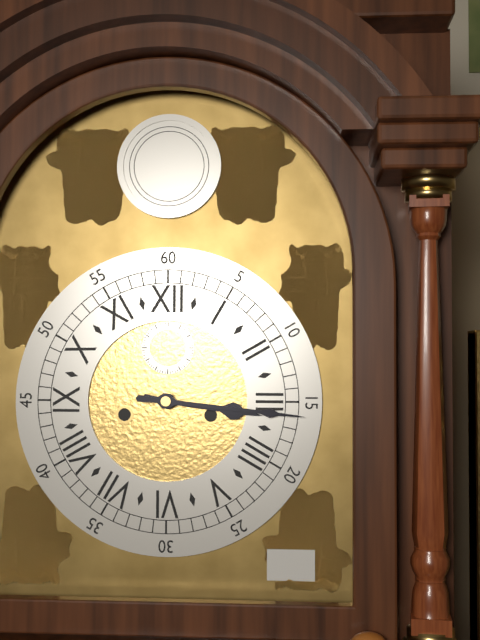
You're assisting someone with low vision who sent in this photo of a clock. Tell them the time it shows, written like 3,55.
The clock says 3,16
